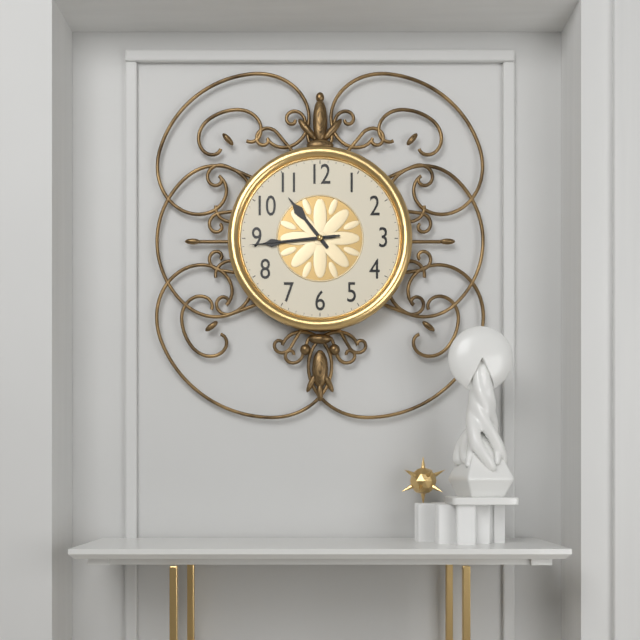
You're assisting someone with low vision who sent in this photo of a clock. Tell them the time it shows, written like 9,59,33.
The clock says 10,44,44
